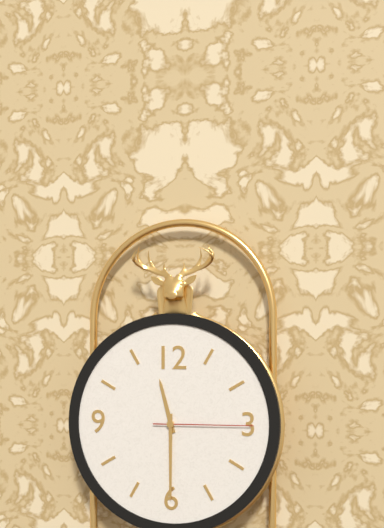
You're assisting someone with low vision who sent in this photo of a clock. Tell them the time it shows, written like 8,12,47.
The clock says 11,30,15
